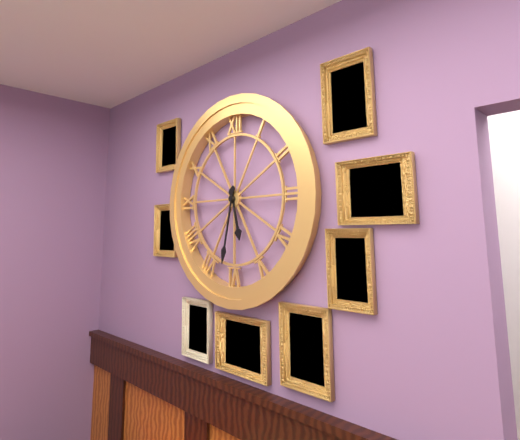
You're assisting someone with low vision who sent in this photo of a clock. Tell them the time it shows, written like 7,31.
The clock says 5,32
